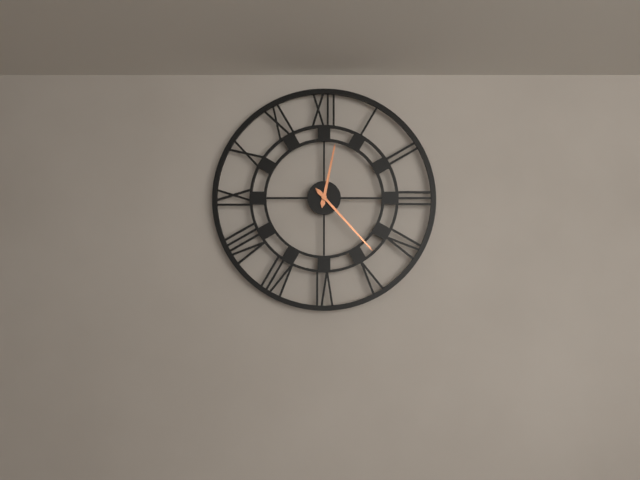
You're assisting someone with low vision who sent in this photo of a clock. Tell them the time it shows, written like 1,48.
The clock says 12,23
